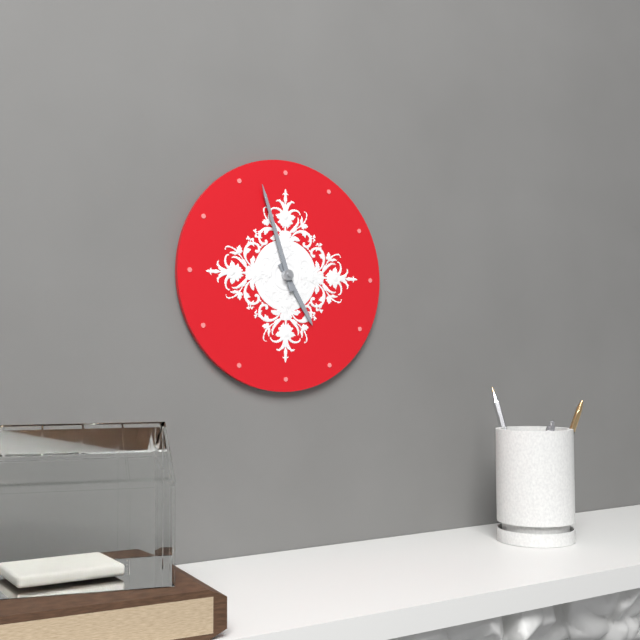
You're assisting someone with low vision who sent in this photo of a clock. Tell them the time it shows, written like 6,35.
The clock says 4,57
